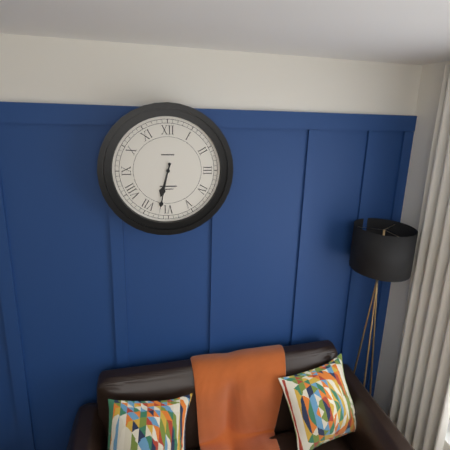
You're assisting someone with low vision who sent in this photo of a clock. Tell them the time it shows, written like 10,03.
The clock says 6,32
